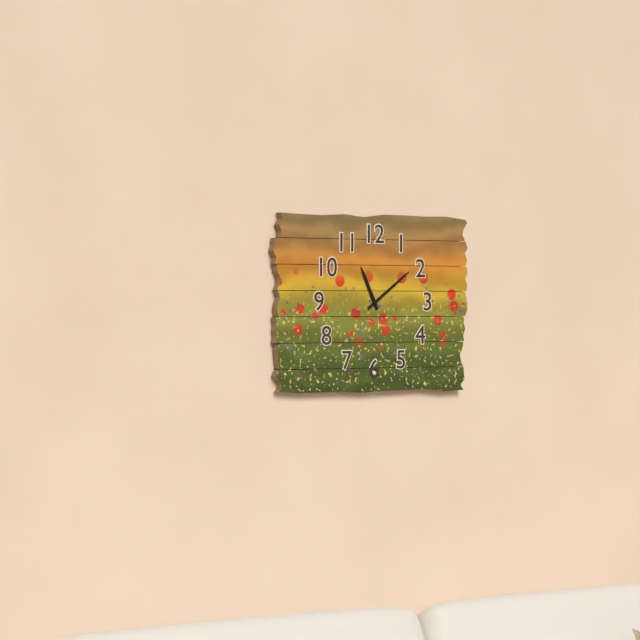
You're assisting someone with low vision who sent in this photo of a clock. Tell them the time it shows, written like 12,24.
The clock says 11,09
